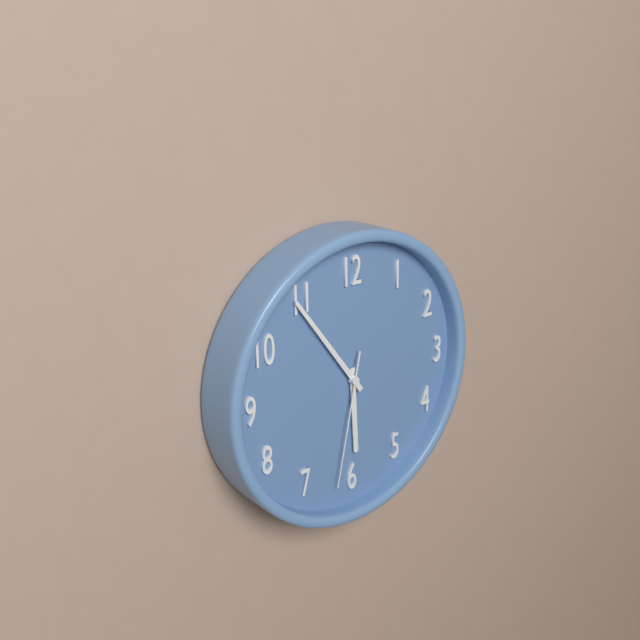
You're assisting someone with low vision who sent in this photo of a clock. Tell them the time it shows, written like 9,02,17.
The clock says 5,54,32
